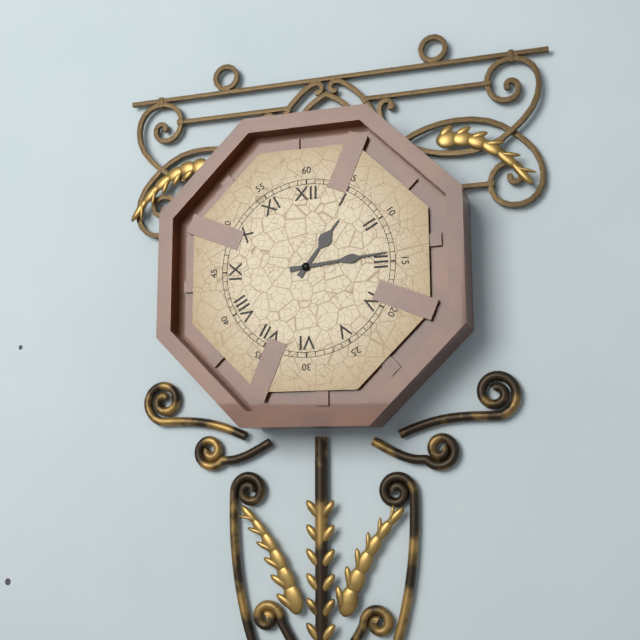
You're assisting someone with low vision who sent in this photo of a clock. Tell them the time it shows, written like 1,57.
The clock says 1,14
